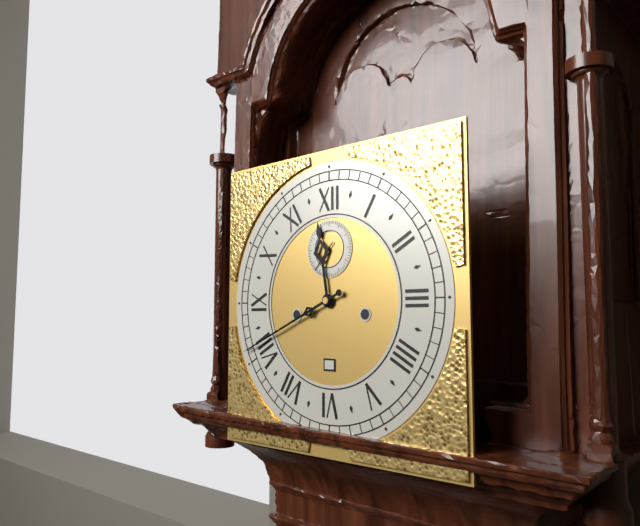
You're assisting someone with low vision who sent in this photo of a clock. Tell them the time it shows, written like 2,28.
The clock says 11,41
